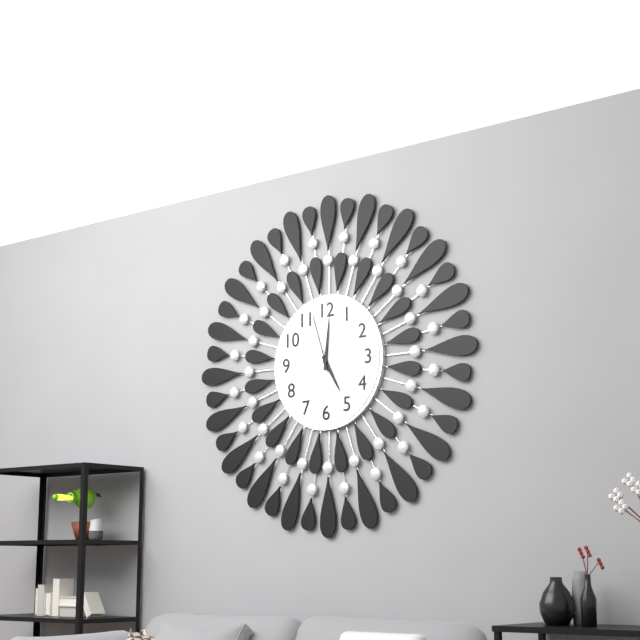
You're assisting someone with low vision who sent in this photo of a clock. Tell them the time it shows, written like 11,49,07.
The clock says 5,01,57
